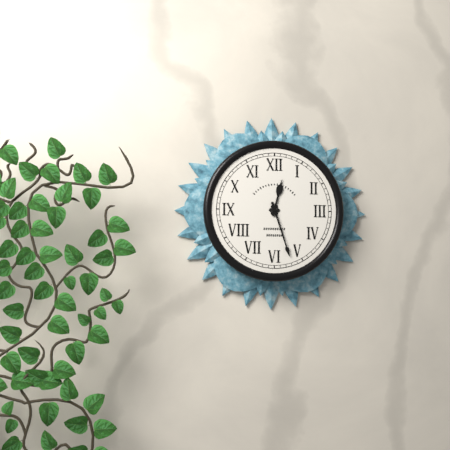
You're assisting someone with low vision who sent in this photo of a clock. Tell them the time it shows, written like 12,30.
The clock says 12,27
